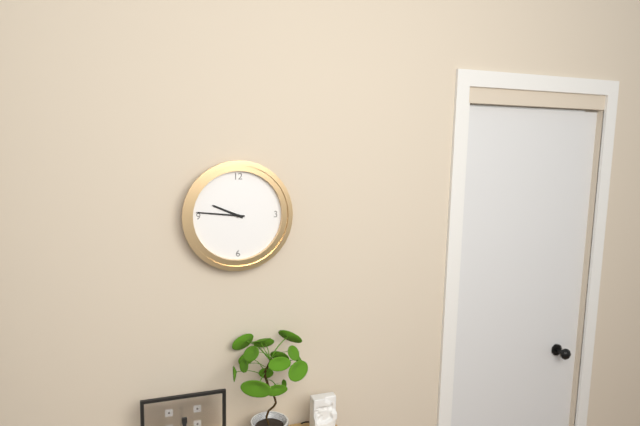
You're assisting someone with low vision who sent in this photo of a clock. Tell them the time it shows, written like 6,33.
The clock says 9,46
